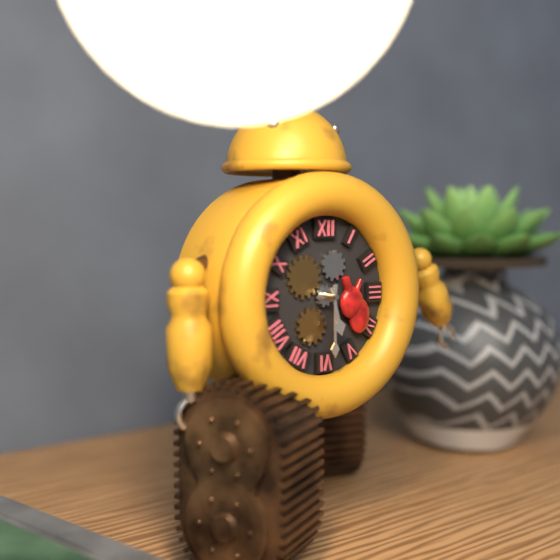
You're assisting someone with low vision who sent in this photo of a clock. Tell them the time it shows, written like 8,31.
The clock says 5,30
